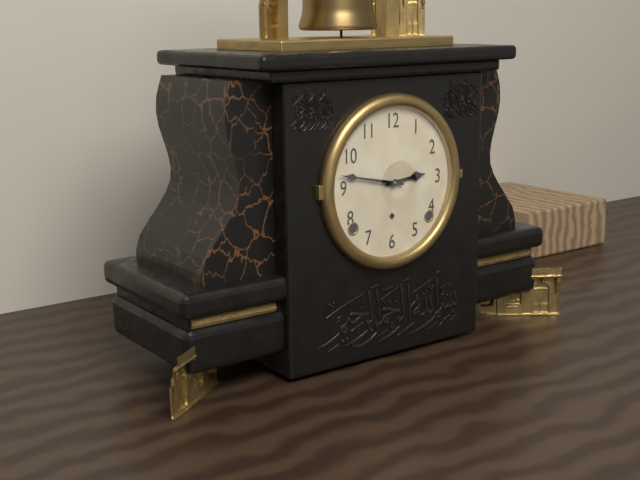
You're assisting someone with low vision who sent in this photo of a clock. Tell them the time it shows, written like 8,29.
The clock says 2,47
